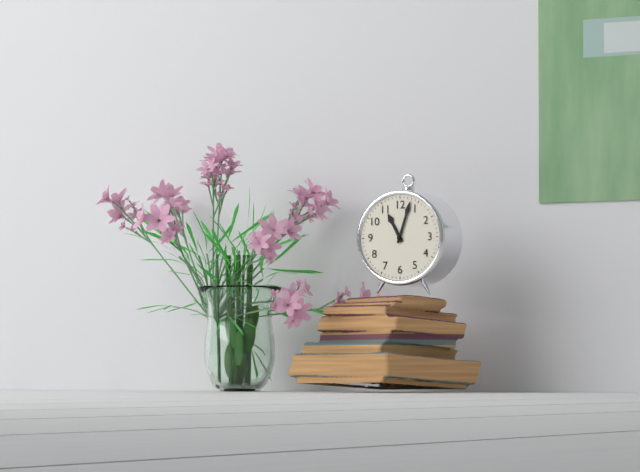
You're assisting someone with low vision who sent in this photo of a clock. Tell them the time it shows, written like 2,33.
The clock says 11,03
